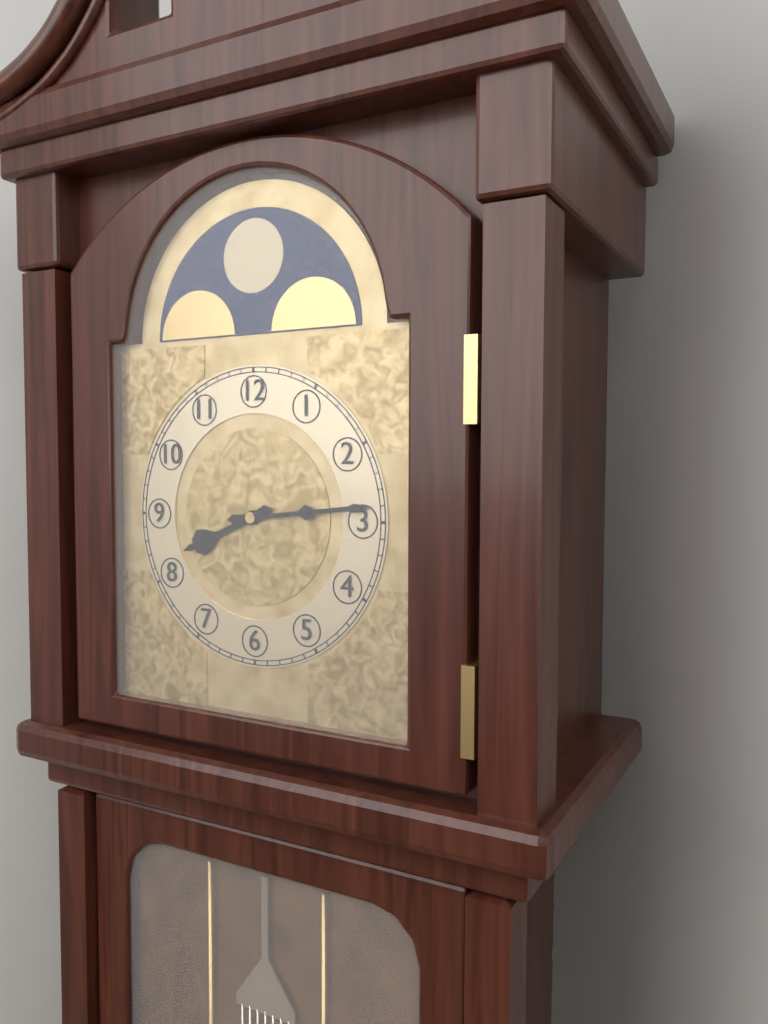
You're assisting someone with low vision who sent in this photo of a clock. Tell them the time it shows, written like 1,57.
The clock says 8,14
